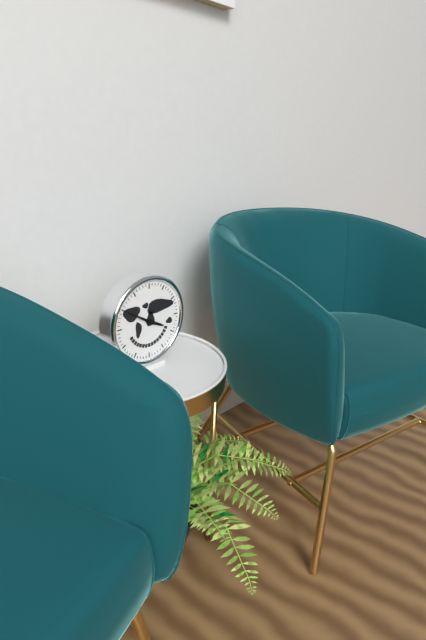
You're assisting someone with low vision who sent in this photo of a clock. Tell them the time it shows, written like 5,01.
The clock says 3,50
